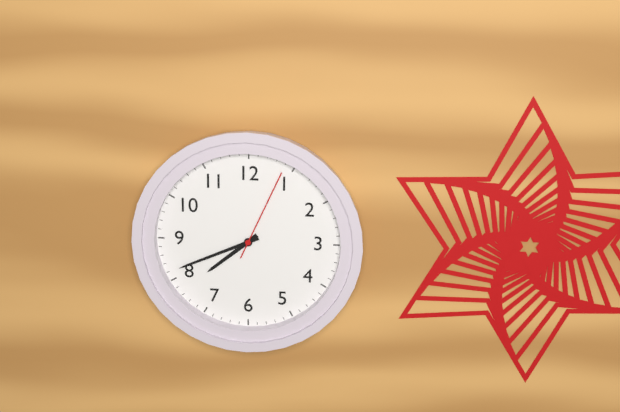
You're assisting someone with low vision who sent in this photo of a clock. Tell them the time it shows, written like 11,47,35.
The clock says 7,41,04
